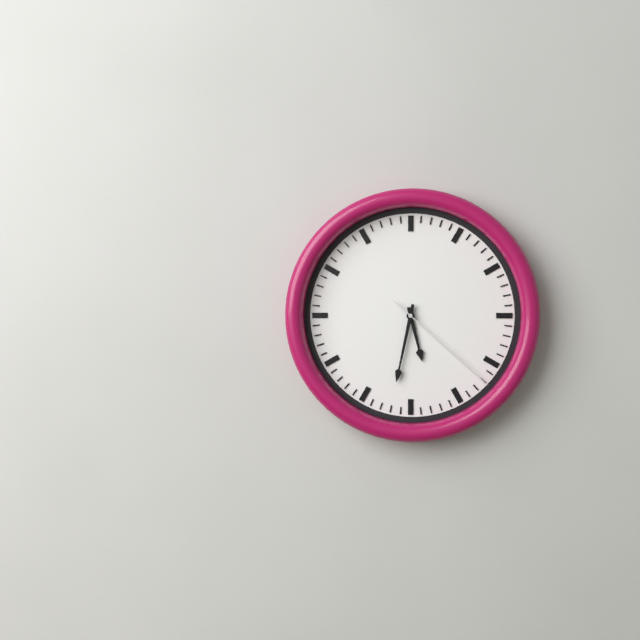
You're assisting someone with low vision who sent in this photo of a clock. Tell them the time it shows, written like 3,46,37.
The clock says 5,32,22
